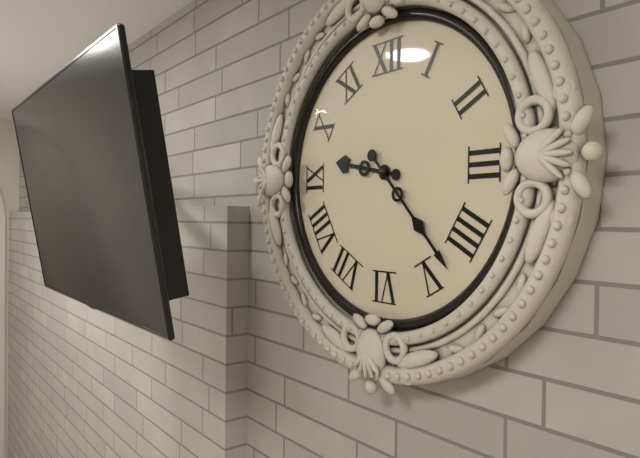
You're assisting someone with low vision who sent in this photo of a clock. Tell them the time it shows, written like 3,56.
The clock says 9,23
